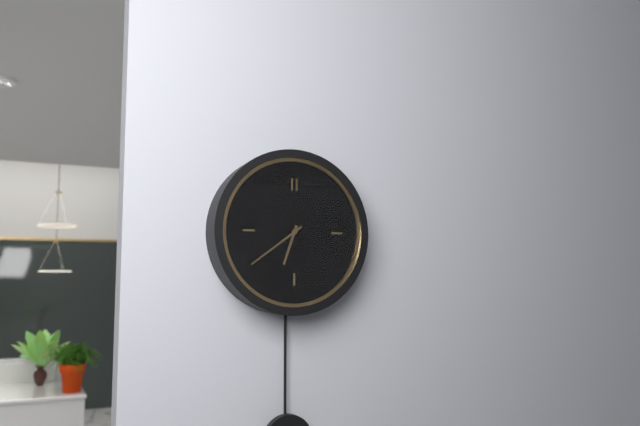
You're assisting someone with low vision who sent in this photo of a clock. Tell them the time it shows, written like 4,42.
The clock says 6,39
